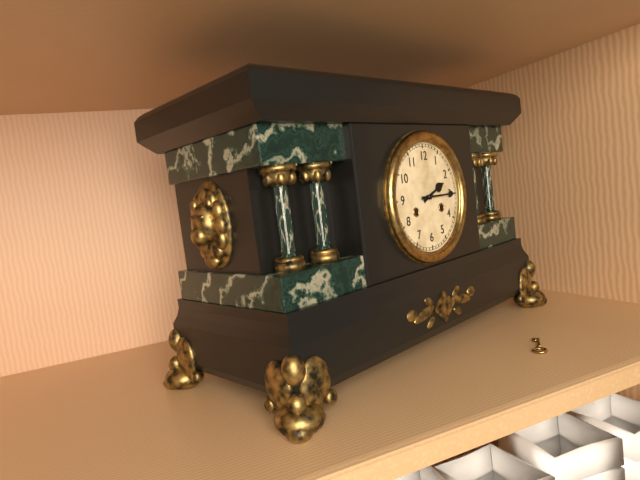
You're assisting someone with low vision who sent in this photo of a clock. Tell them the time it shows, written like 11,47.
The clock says 2,15
